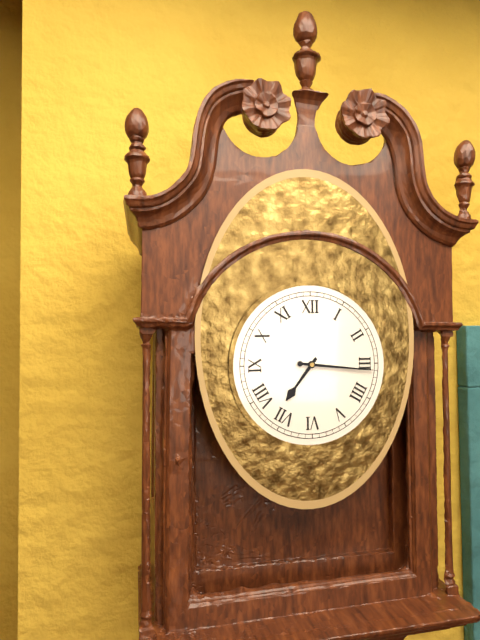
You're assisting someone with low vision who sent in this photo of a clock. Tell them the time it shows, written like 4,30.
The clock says 7,16
